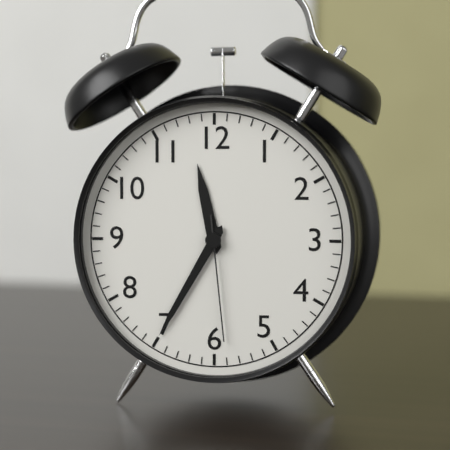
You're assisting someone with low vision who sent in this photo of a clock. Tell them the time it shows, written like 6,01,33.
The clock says 11,35,29
